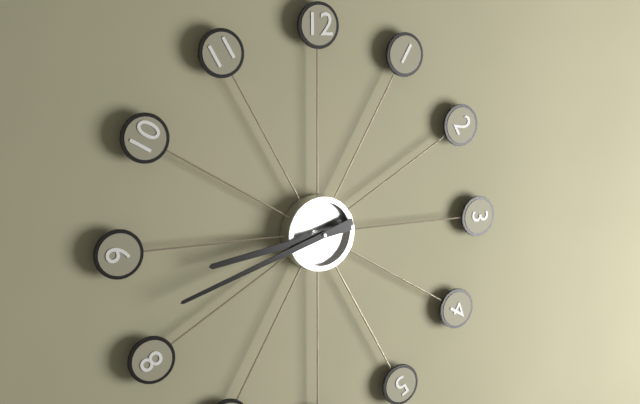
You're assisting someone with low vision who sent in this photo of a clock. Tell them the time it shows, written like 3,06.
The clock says 8,42
